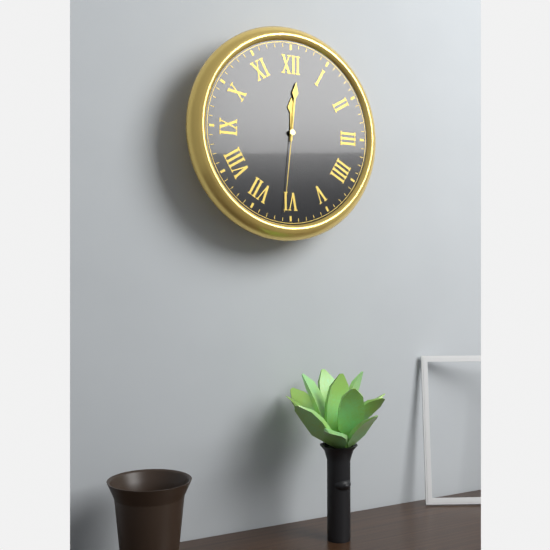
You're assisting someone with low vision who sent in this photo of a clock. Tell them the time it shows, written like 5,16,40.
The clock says 12,01,31
